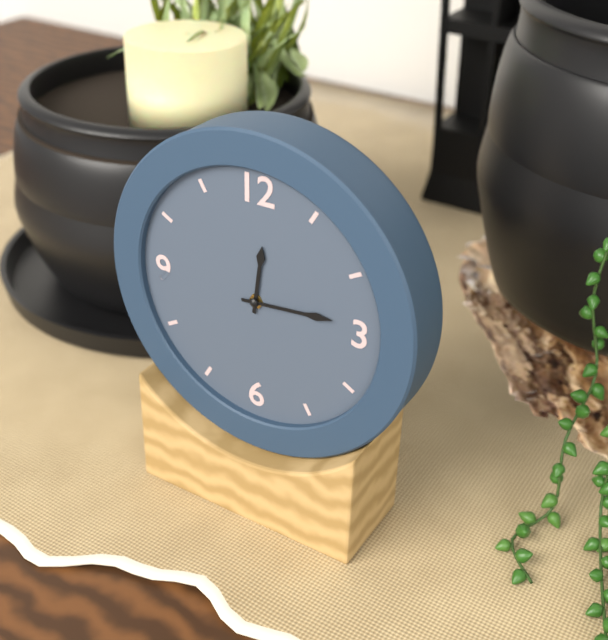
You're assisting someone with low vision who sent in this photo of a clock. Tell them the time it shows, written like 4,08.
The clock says 12,14
